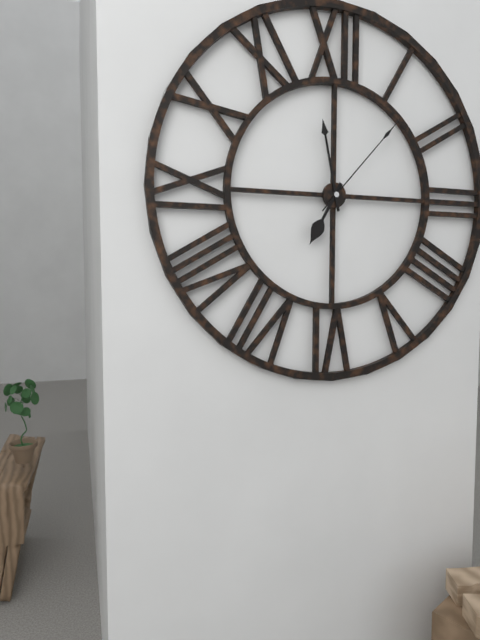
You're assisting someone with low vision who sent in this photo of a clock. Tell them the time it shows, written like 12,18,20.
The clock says 6,58,07
